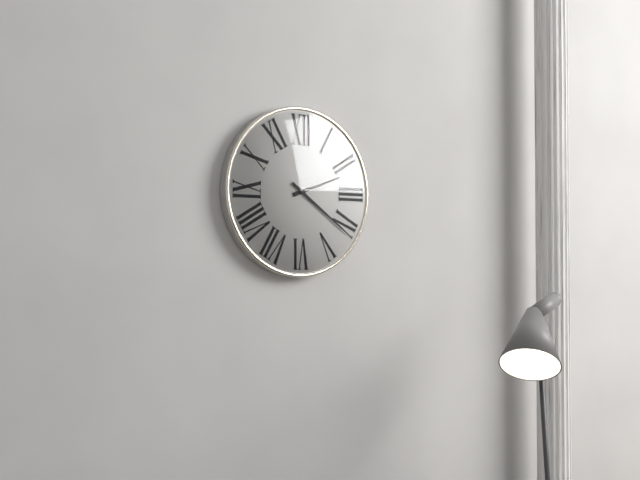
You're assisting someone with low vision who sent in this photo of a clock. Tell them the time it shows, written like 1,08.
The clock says 2,21
